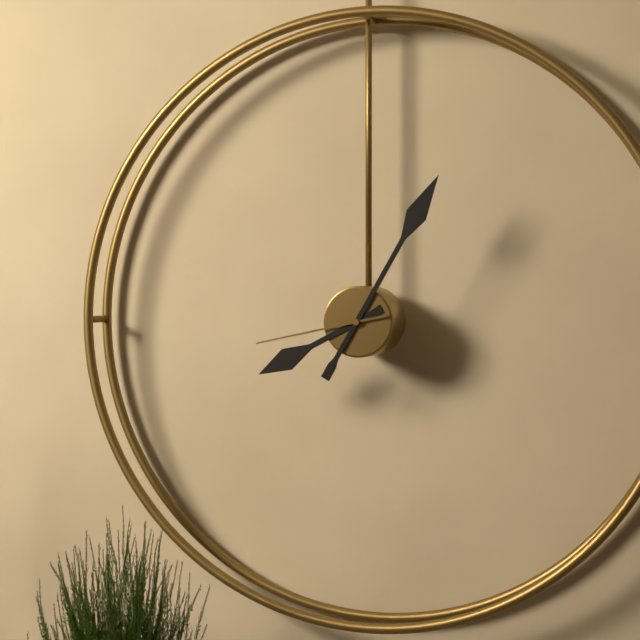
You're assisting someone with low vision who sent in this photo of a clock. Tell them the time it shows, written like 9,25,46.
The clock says 8,05,43
